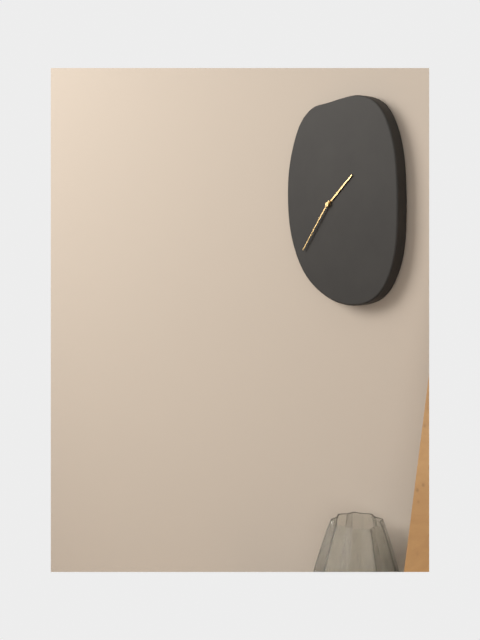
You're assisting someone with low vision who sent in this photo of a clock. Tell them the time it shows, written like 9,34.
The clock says 1,36
